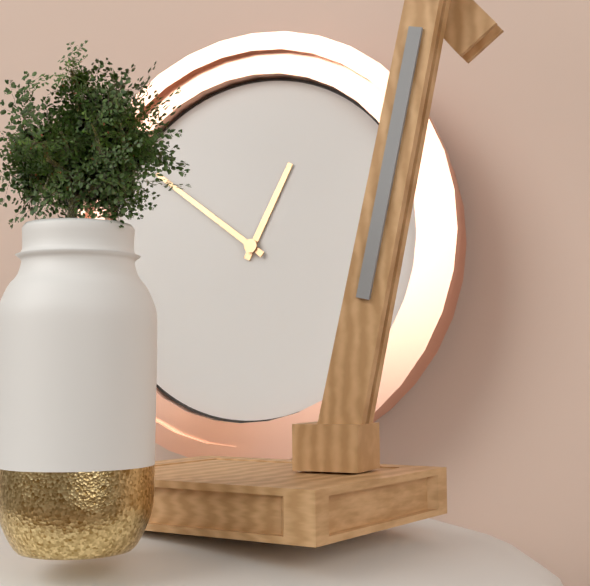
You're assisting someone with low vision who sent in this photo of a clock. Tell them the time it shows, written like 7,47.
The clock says 12,51
